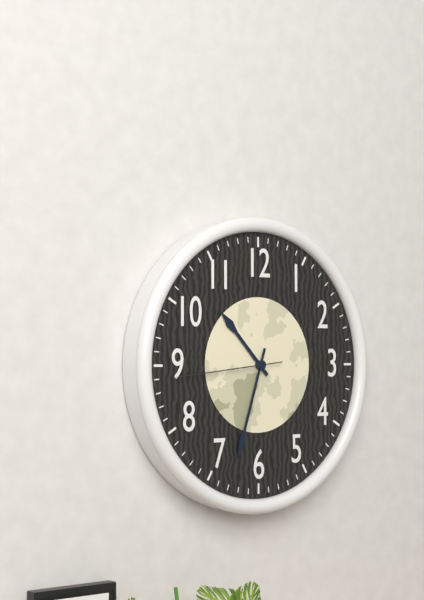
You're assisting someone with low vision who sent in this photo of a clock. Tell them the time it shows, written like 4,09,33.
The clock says 10,33,44
